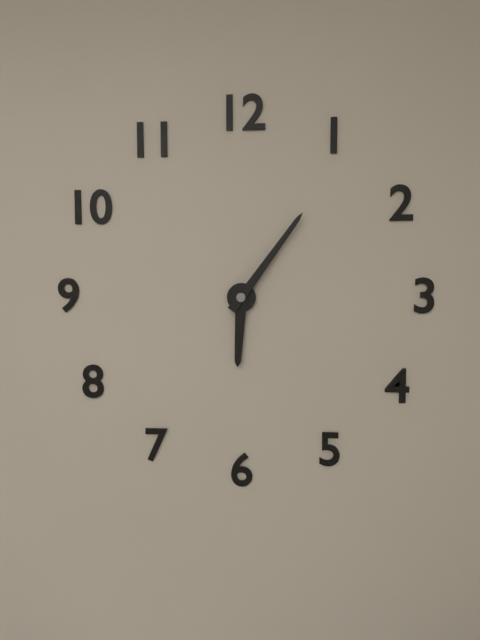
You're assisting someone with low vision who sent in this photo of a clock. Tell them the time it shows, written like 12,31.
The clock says 6,06
